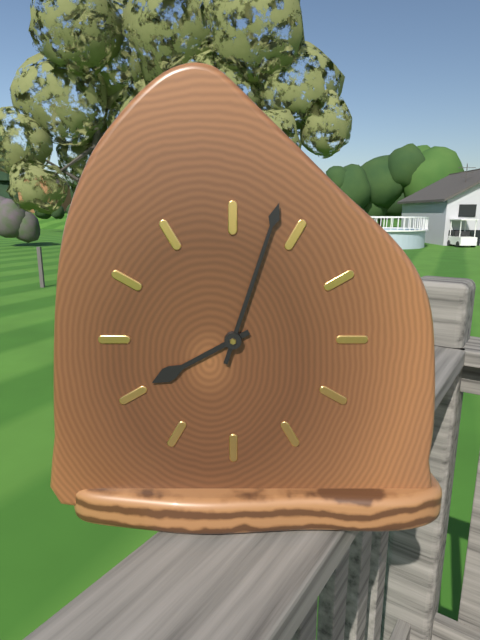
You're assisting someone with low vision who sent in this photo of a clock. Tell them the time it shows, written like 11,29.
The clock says 8,03
